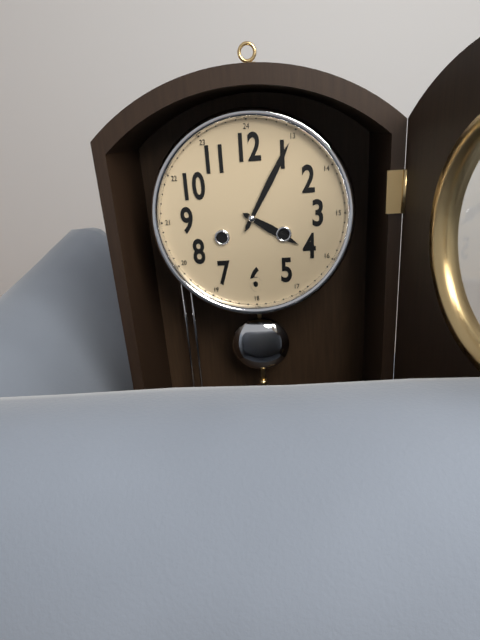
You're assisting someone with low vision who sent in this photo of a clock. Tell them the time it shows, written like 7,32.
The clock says 4,05
